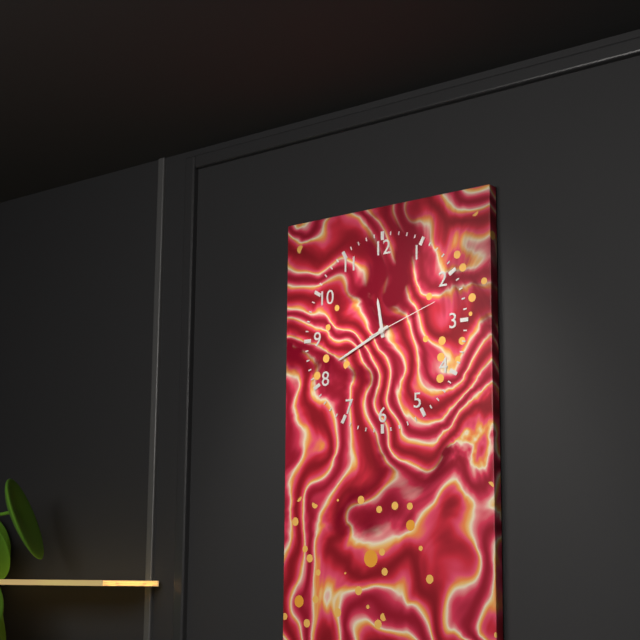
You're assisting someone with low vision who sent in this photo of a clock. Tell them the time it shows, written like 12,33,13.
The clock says 11,41,12
